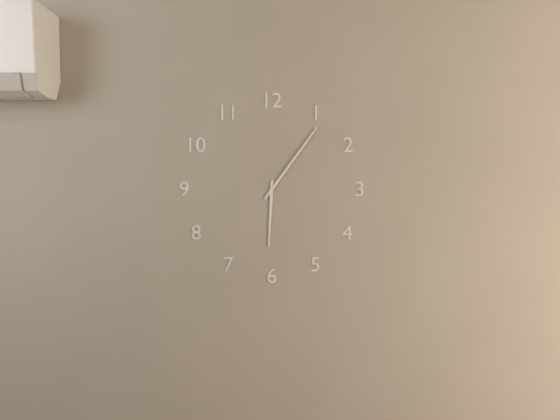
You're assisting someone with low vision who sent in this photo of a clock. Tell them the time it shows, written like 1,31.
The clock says 6,06
